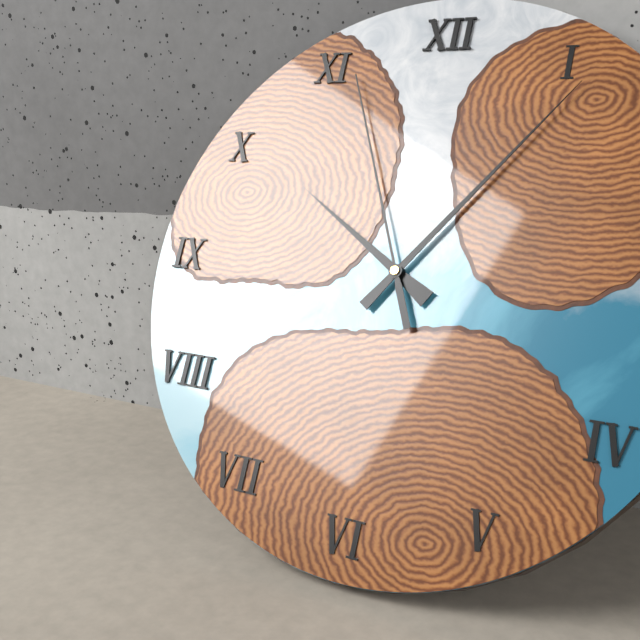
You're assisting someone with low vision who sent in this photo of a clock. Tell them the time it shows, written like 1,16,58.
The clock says 10,06,56
